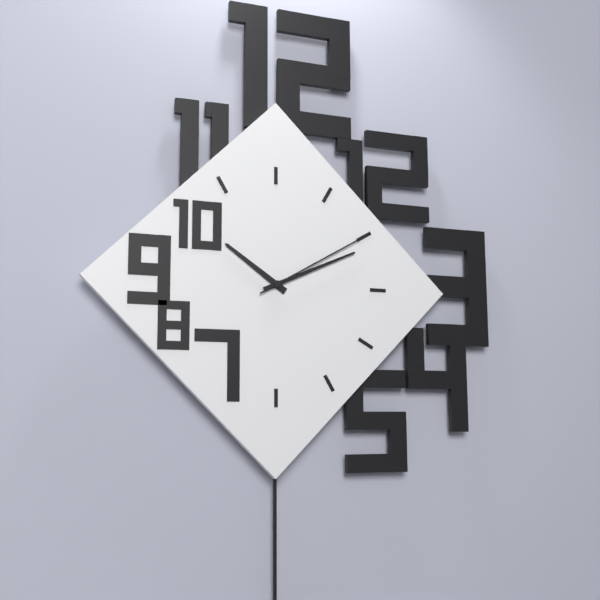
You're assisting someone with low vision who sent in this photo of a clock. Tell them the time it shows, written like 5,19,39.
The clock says 10,11,10
